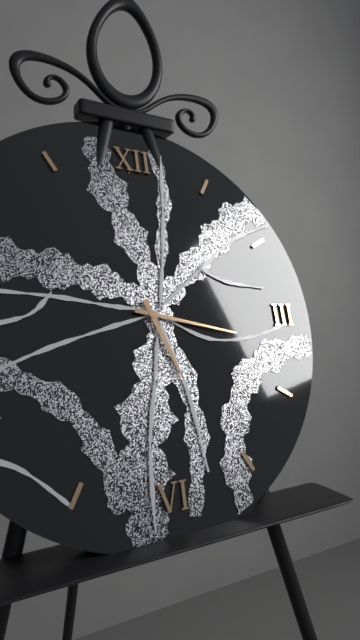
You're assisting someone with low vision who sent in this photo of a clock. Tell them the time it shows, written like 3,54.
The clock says 5,17
